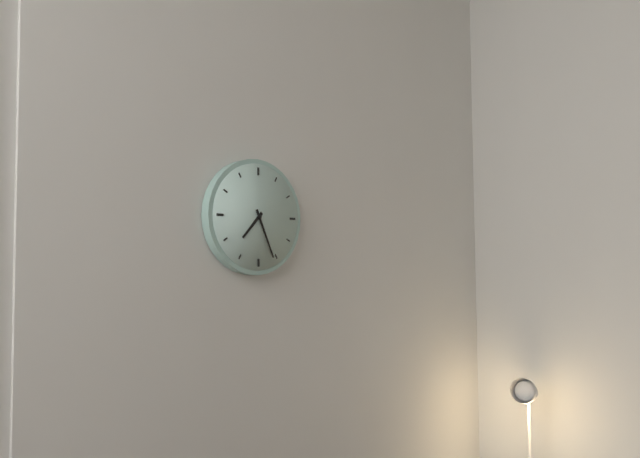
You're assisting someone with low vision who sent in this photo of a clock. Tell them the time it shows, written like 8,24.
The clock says 7,26
